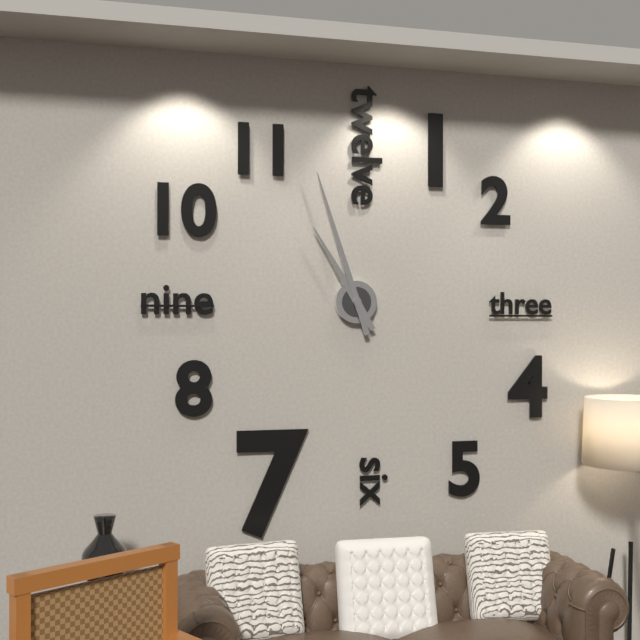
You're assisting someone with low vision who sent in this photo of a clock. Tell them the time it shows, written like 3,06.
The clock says 10,57
